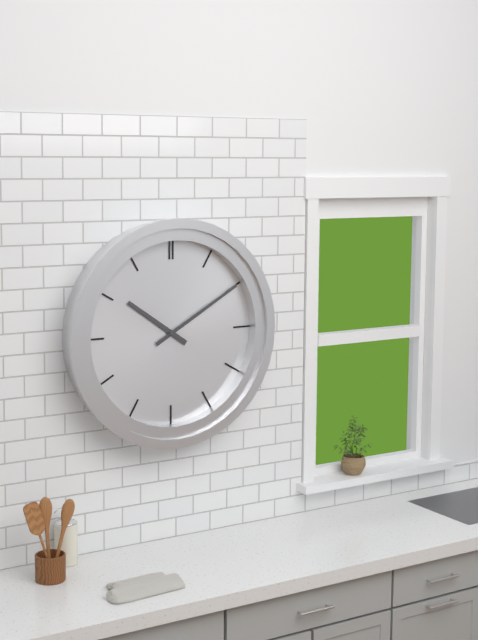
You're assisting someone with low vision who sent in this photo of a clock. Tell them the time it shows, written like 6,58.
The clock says 10,10
